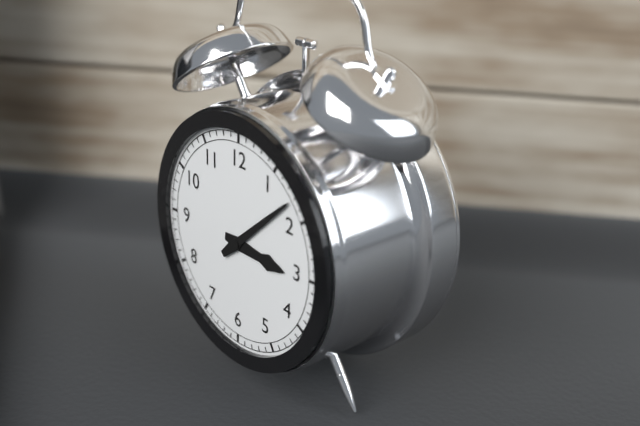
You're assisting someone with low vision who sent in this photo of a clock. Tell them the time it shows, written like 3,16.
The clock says 3,08
